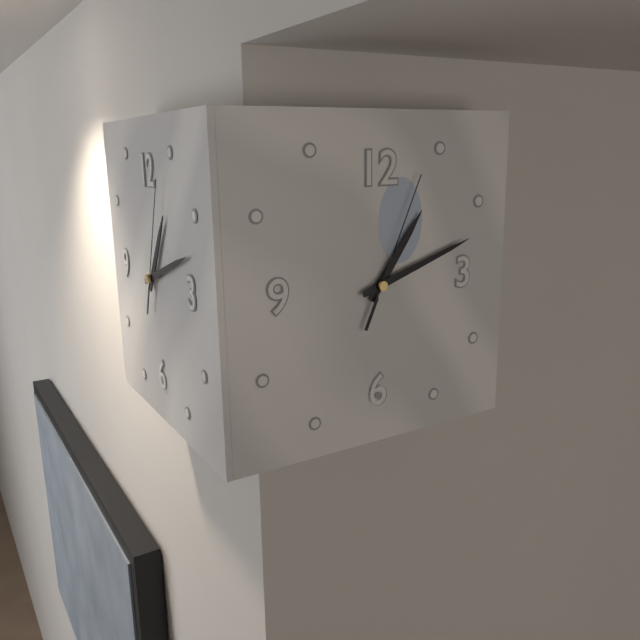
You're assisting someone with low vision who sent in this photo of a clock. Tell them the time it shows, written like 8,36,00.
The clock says 1,12,04
